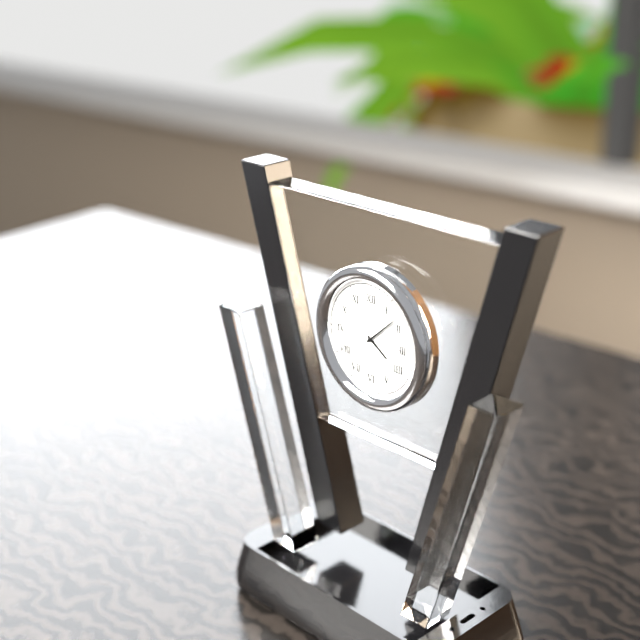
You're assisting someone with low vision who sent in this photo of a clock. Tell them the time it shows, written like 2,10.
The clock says 4,08
